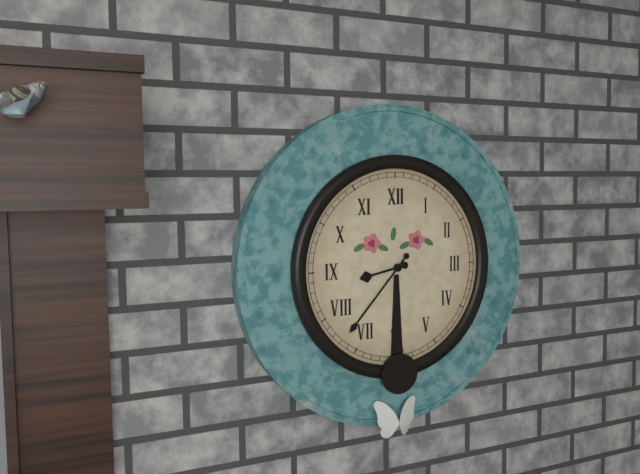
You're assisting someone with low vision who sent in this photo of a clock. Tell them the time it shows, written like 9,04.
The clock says 8,37
